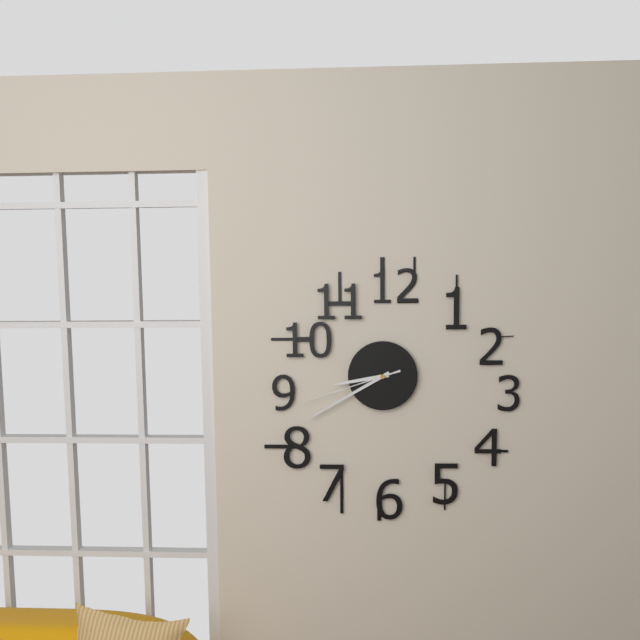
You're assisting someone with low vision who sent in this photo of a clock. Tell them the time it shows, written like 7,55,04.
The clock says 8,40,42
